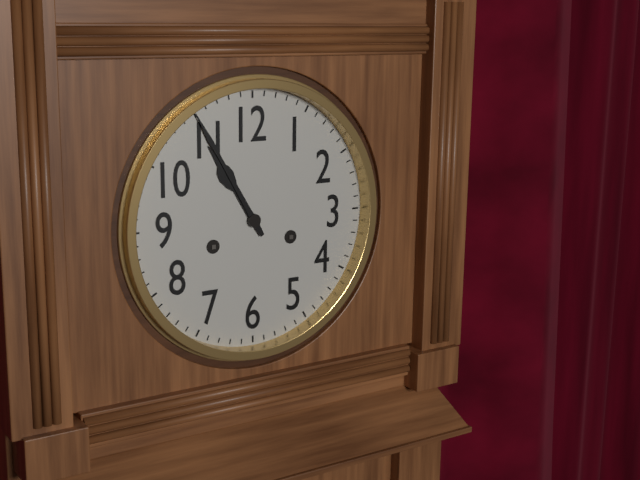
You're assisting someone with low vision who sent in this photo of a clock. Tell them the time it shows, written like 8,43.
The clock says 10,55
